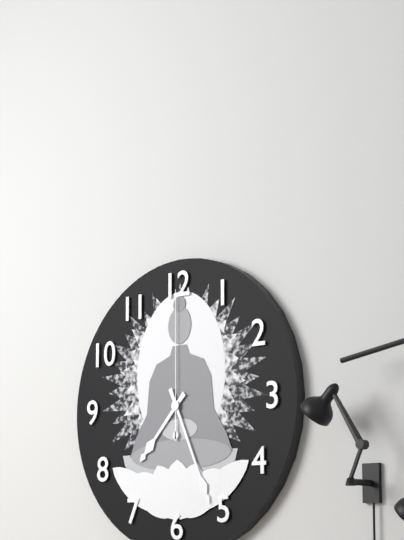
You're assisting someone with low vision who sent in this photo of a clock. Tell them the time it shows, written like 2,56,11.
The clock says 7,26,00
